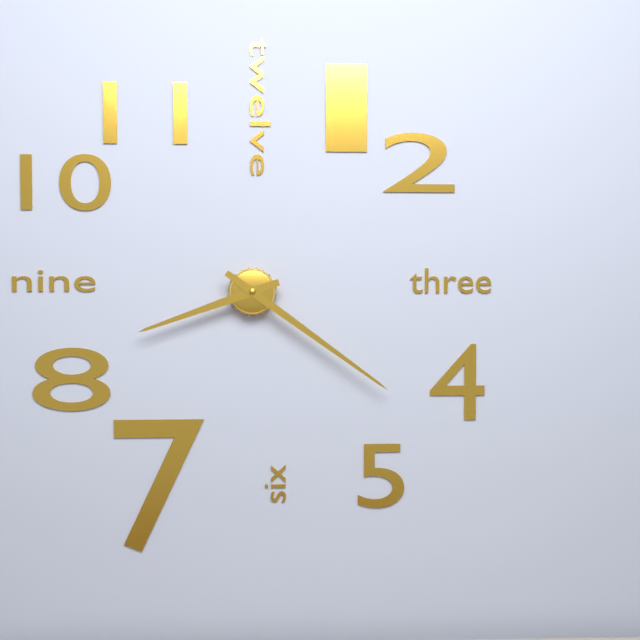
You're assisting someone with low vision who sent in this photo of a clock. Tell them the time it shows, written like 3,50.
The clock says 8,21
